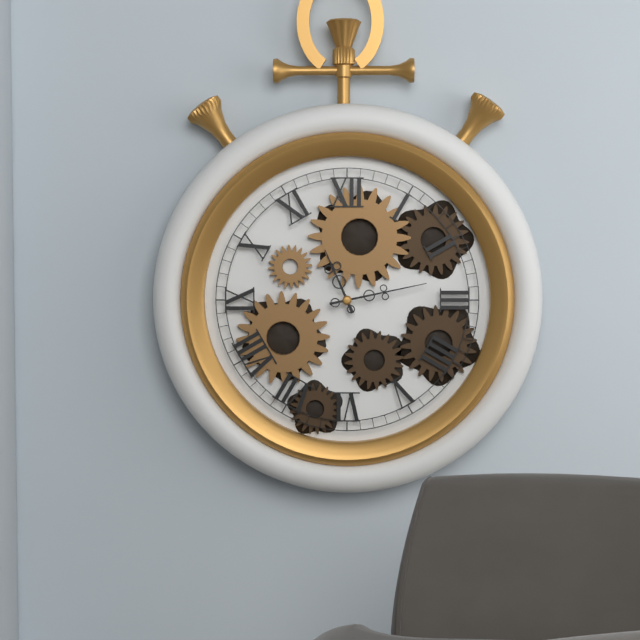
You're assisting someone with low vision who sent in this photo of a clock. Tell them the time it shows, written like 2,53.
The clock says 11,13
